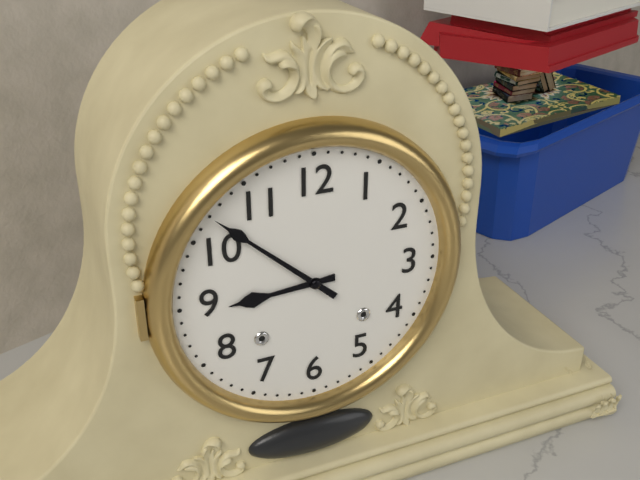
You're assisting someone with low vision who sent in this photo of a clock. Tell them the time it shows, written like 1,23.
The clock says 8,52
